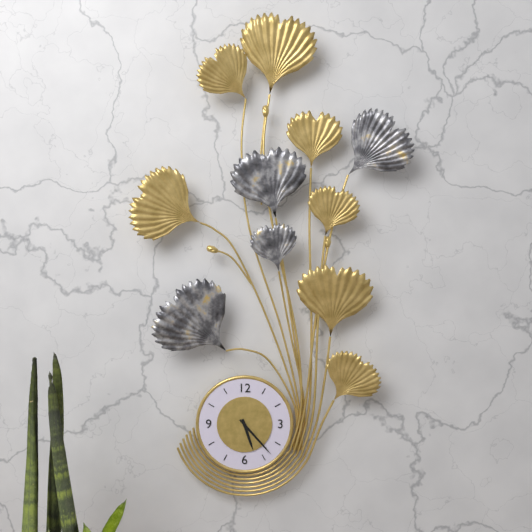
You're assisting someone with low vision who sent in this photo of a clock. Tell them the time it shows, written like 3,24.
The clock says 5,23
